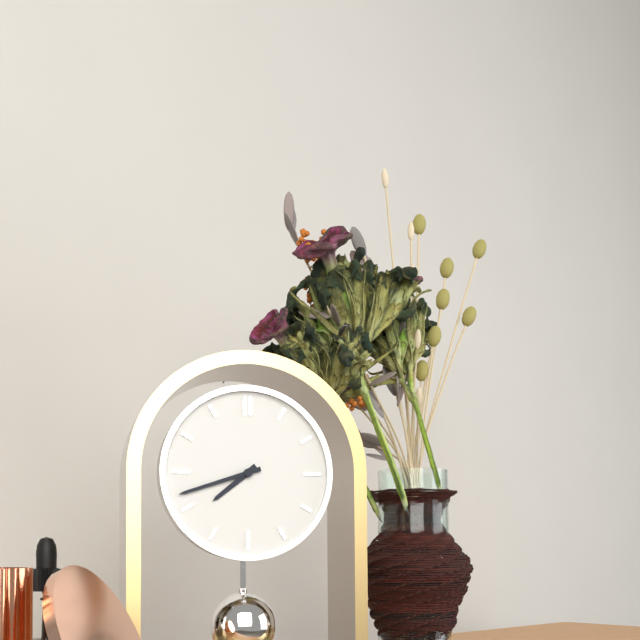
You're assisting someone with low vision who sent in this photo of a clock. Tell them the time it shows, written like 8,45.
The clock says 7,42
